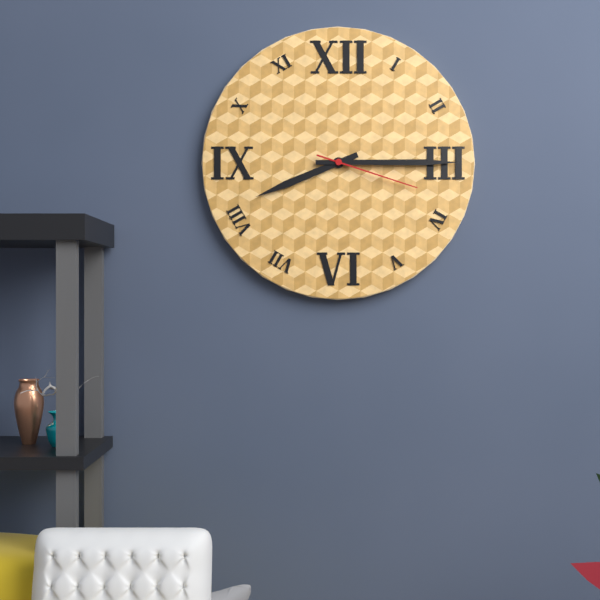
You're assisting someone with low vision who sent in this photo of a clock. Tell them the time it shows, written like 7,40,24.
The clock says 8,15,18
